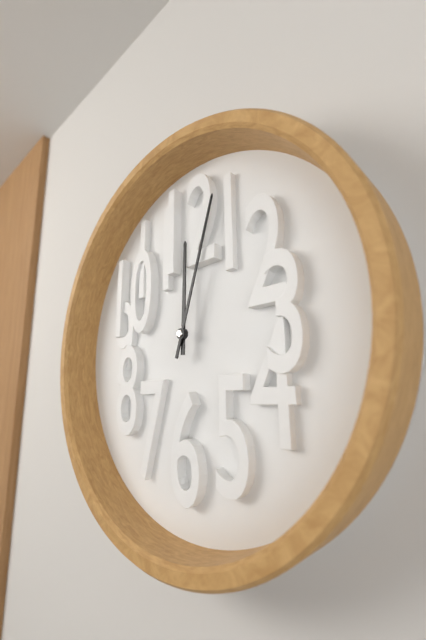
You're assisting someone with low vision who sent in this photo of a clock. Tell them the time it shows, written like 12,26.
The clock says 12,03
